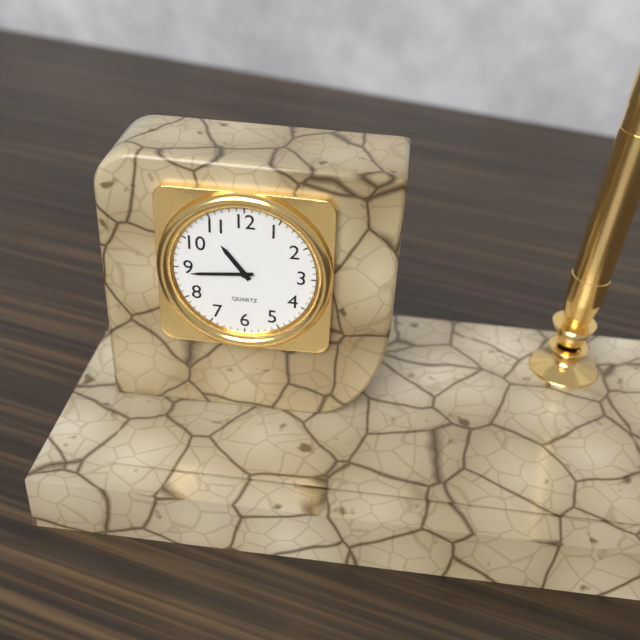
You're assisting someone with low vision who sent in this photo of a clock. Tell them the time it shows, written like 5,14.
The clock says 10,44
